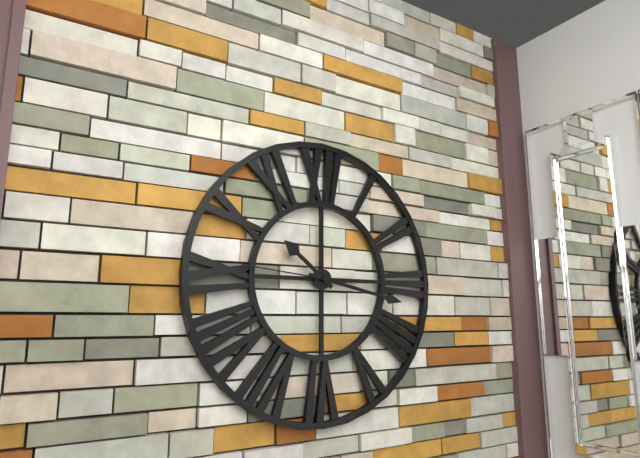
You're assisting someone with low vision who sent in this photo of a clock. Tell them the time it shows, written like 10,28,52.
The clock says 10,17,46
